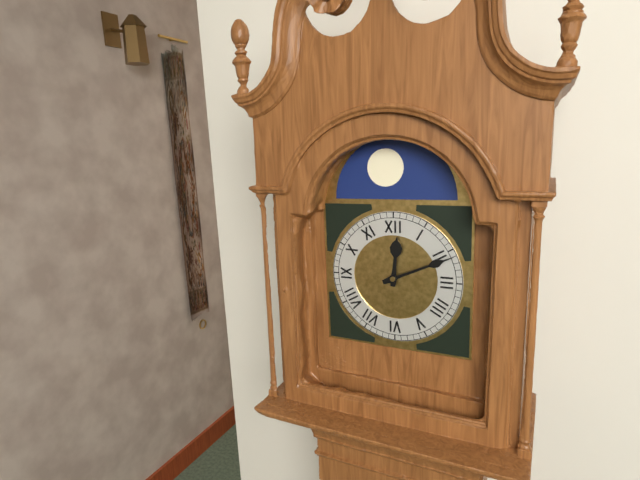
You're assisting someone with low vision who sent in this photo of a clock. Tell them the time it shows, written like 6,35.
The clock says 12,11
